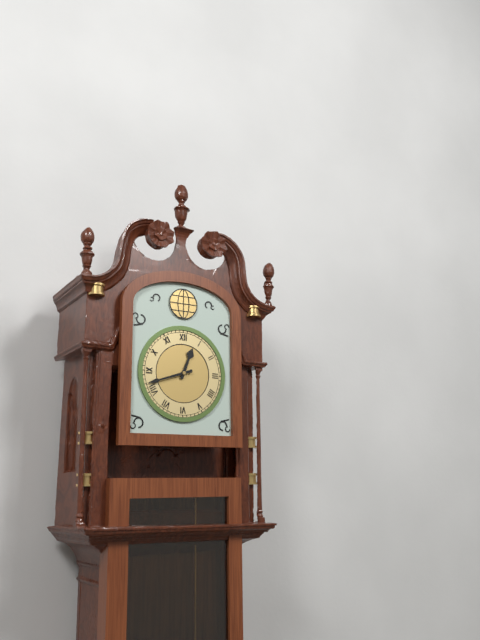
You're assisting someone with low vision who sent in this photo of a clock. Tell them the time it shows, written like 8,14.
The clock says 12,42
